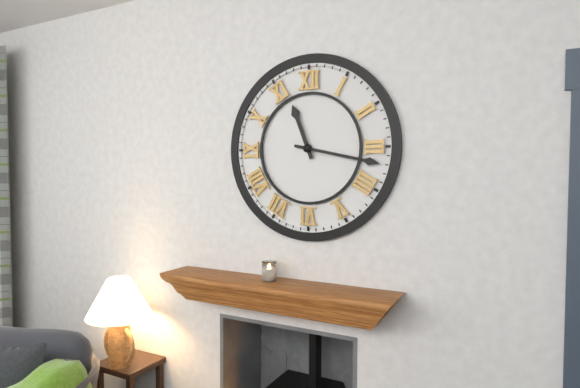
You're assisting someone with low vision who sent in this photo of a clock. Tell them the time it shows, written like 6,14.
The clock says 11,17
